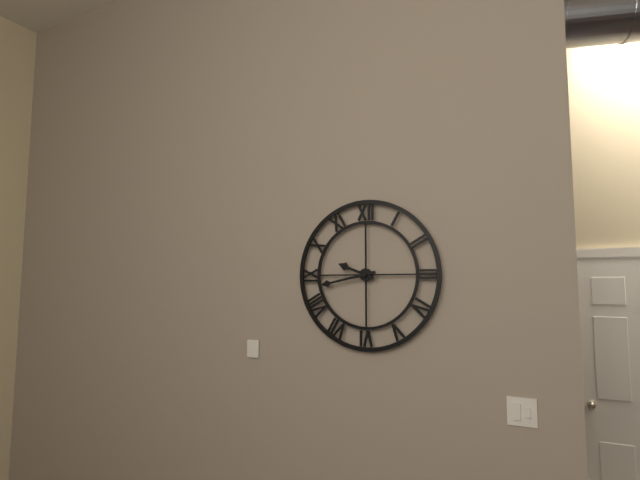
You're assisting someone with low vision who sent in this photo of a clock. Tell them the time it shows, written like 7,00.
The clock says 9,43
